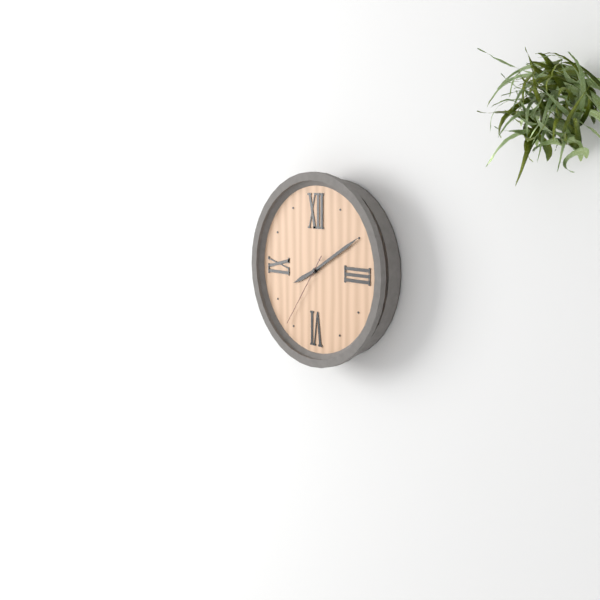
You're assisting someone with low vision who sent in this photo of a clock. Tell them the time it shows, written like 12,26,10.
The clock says 8,10,36
